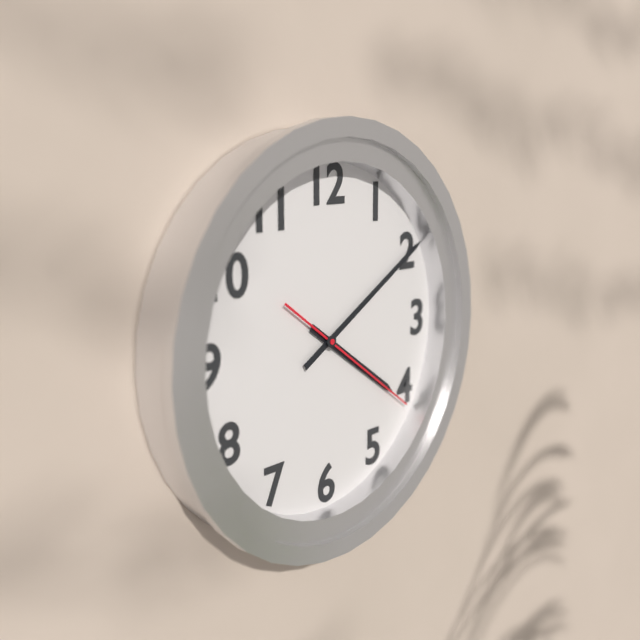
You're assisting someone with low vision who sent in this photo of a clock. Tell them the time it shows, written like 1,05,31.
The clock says 4,10,21
